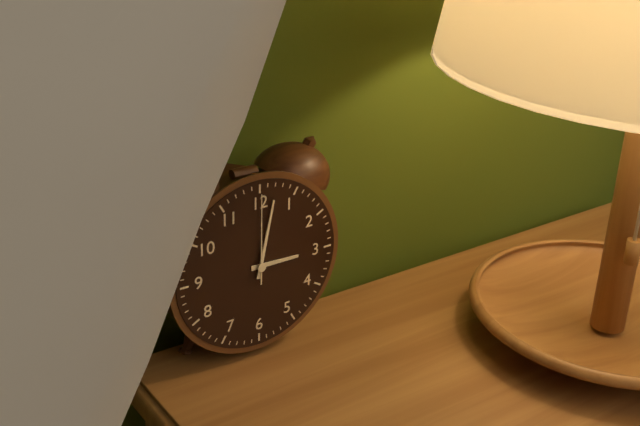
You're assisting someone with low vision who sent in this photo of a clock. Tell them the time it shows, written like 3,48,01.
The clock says 3,02,00
